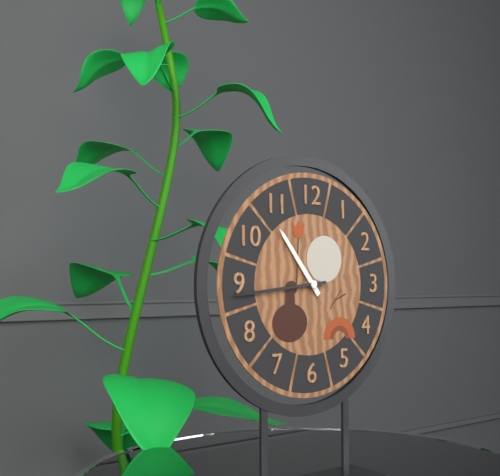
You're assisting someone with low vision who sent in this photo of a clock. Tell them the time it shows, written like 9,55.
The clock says 10,44
